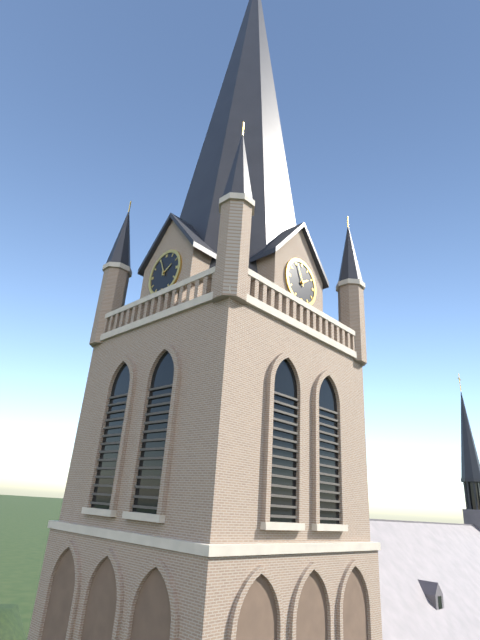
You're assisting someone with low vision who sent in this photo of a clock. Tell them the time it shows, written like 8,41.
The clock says 1,56
